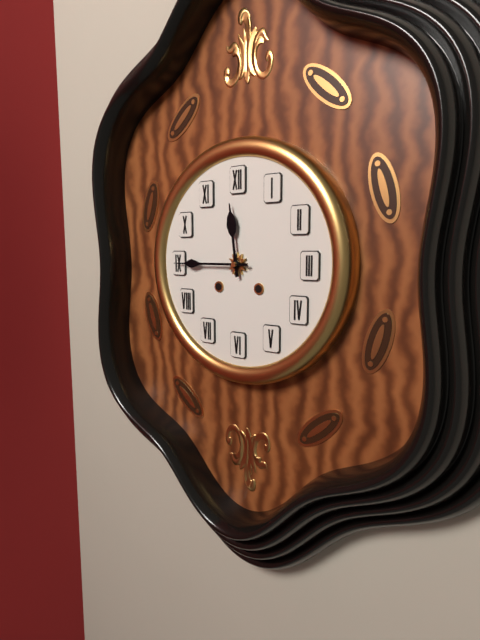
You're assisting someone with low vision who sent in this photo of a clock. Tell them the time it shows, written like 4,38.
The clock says 11,45
